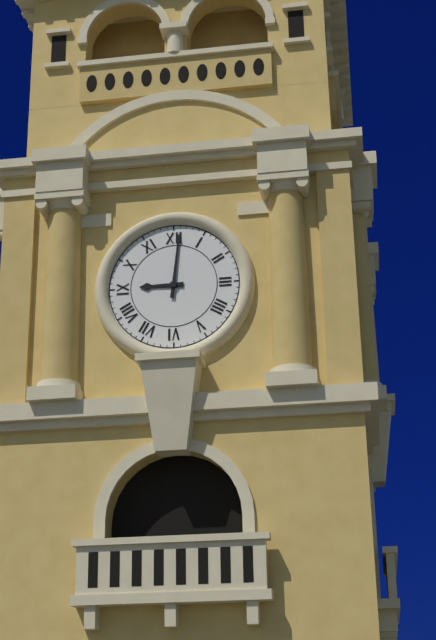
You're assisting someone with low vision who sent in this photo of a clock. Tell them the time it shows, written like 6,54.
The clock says 9,01
